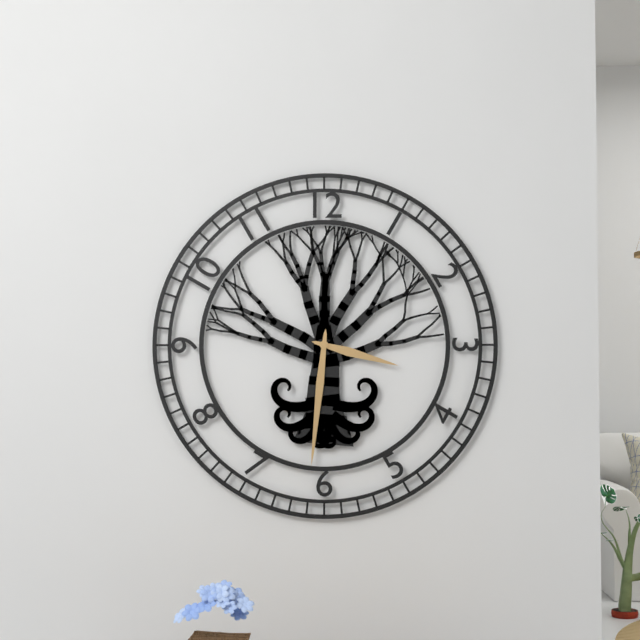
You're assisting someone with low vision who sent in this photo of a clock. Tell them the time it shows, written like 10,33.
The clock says 3,31
